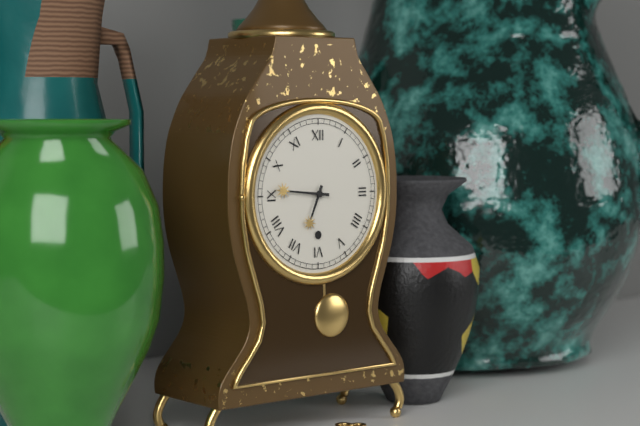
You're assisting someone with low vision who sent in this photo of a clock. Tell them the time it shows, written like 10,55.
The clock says 6,46
